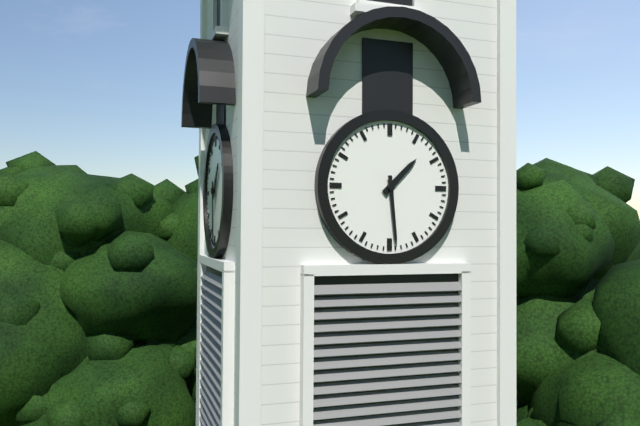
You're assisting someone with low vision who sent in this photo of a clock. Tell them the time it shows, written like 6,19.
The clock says 1,29
